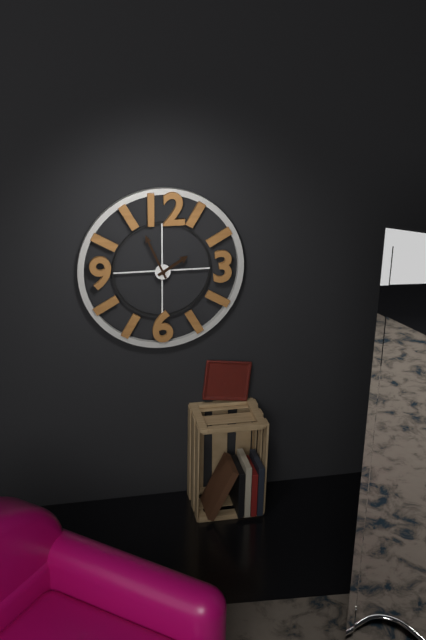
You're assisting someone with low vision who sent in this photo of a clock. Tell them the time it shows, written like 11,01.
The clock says 1,56
